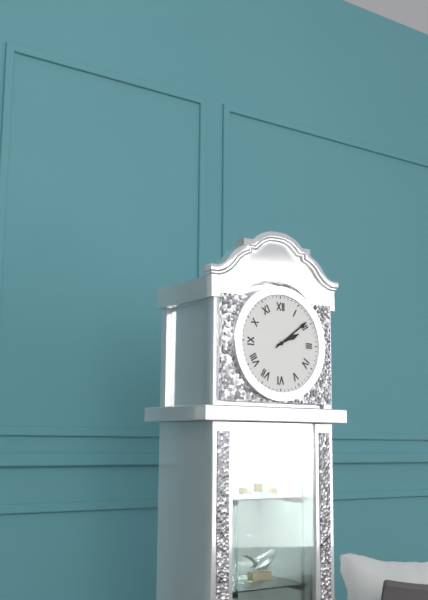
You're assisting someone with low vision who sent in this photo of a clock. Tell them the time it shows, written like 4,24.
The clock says 2,09
